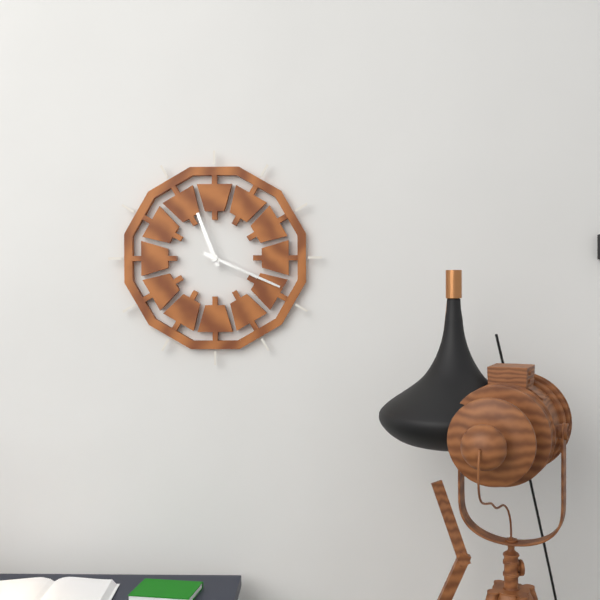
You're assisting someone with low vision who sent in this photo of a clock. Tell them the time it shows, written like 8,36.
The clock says 11,19
